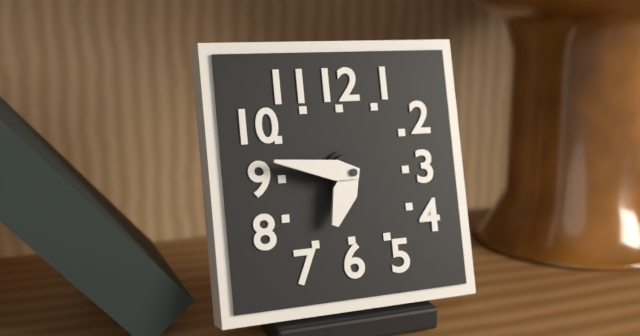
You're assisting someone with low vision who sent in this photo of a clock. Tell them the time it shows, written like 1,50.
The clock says 6,47
